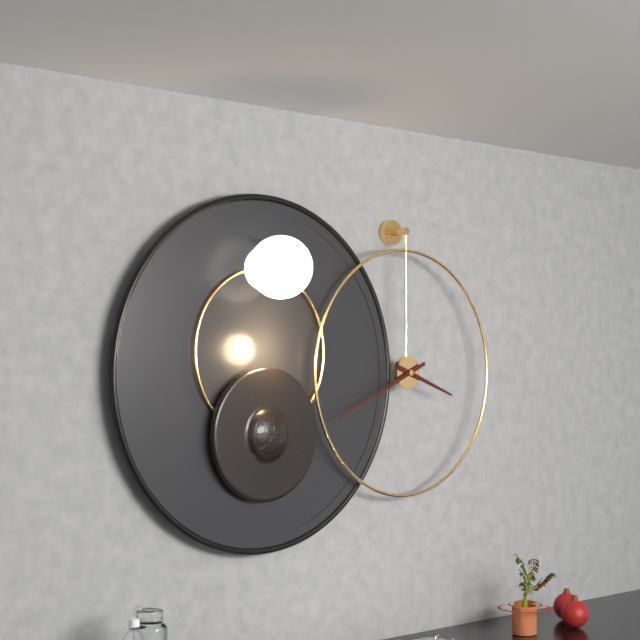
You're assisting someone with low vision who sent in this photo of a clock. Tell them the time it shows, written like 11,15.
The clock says 3,41
